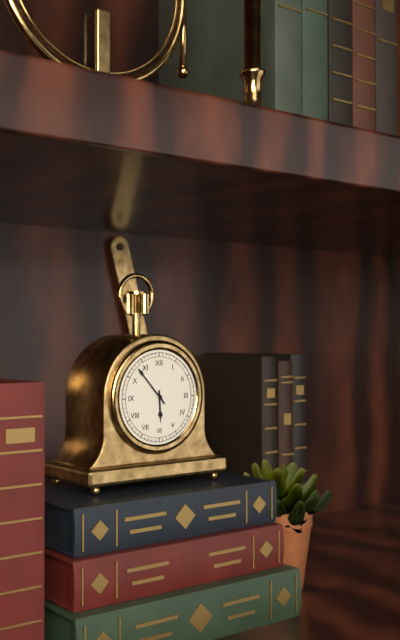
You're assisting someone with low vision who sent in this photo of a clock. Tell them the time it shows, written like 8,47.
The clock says 5,53
